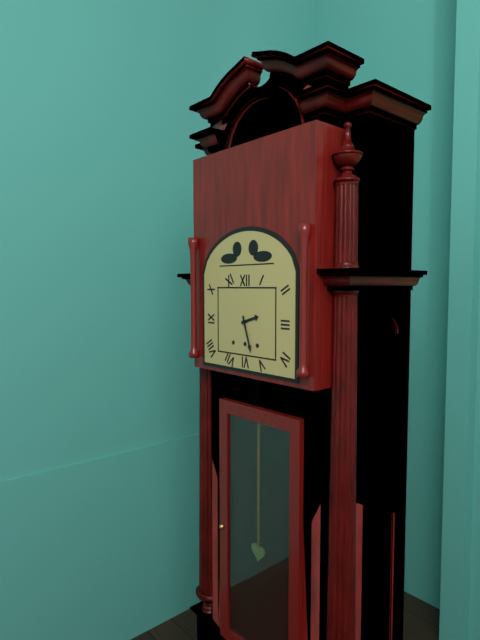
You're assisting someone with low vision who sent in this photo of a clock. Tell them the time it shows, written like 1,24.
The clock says 2,27
